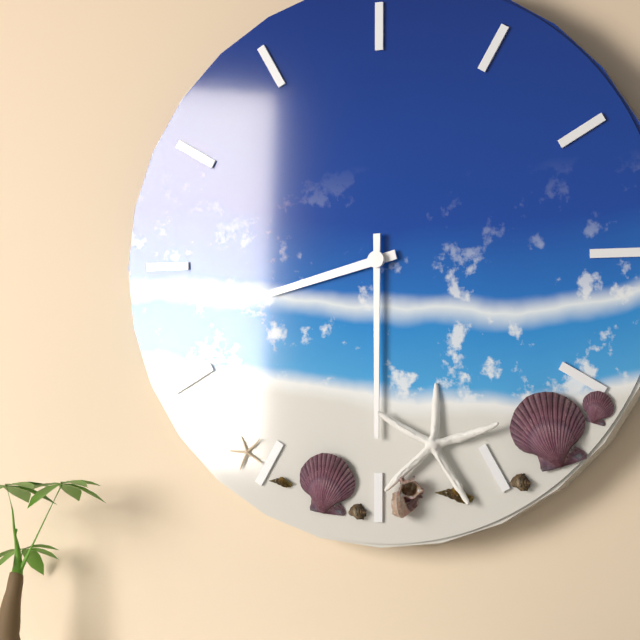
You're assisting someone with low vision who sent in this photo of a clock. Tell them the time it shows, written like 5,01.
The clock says 8,30
